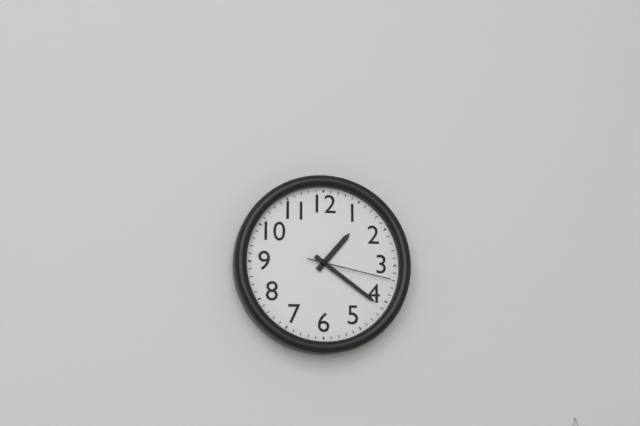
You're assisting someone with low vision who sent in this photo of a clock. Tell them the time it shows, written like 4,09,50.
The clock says 1,21,17
